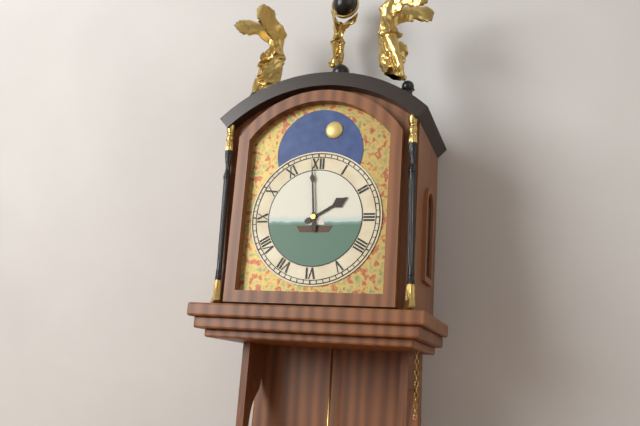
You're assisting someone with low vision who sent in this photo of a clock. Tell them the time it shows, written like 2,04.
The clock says 1,59
